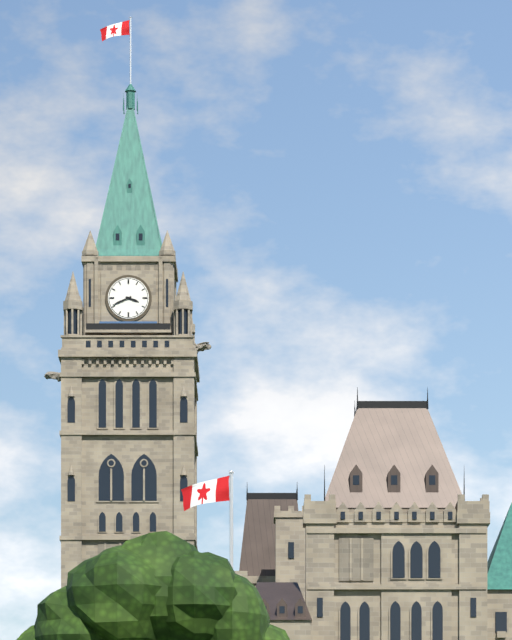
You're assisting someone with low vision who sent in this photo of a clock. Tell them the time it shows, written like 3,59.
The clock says 3,41
